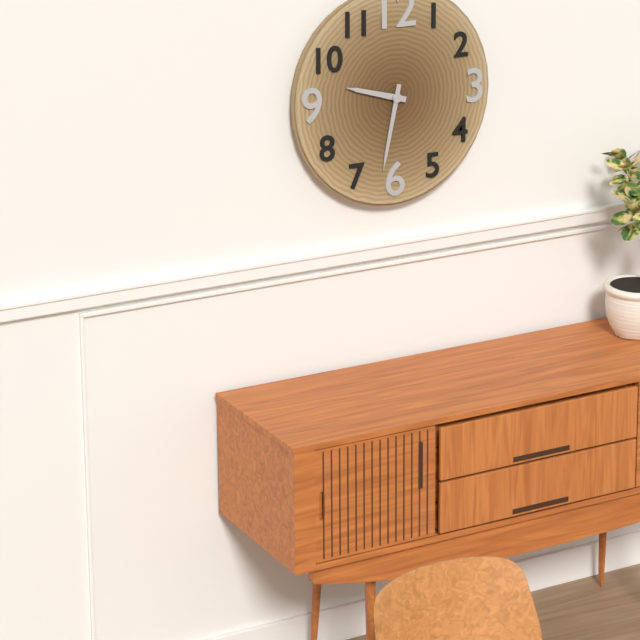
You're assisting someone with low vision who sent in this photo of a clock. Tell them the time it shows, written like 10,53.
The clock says 9,32
